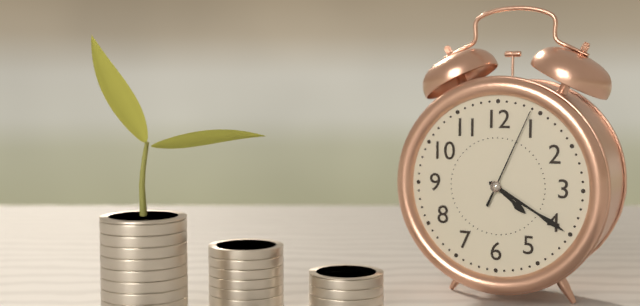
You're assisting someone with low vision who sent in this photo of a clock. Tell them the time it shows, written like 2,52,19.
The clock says 4,20,04
